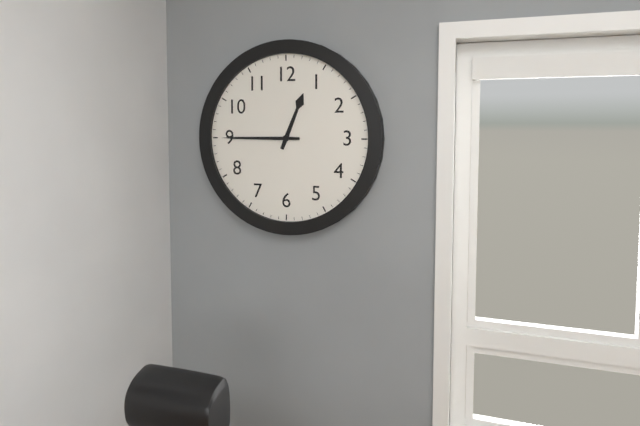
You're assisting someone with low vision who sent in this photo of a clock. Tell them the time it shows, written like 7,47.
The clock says 12,45
